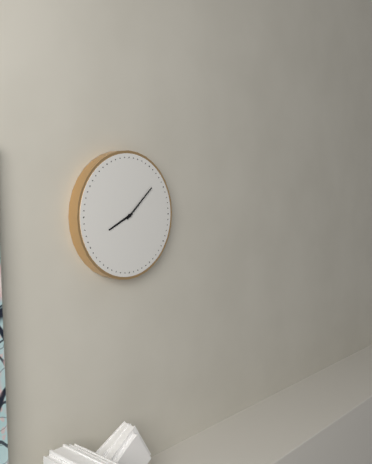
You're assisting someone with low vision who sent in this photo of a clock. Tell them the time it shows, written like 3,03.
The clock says 8,08
